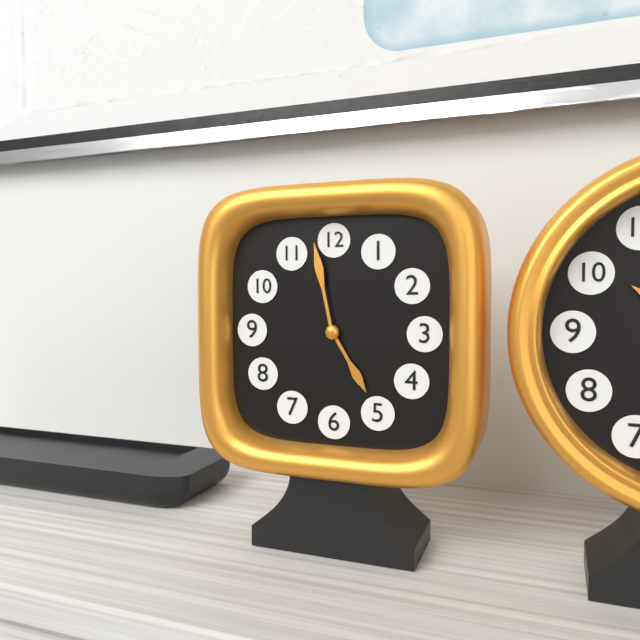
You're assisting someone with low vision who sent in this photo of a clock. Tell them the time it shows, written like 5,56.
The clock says 4,58
